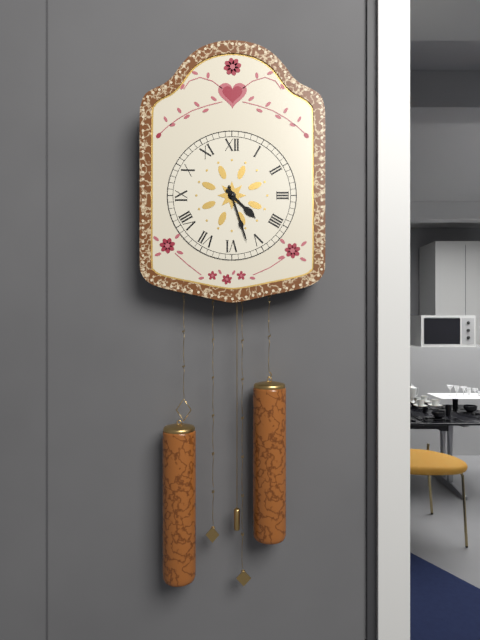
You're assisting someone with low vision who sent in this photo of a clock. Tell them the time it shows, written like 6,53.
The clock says 4,27
